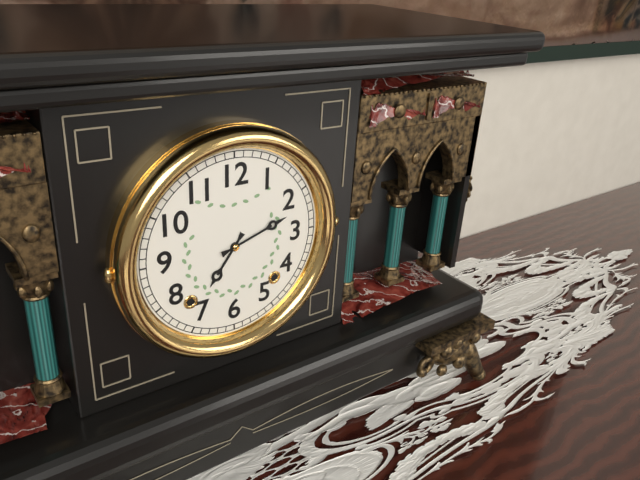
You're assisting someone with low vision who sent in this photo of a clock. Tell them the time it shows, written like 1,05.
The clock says 7,12
